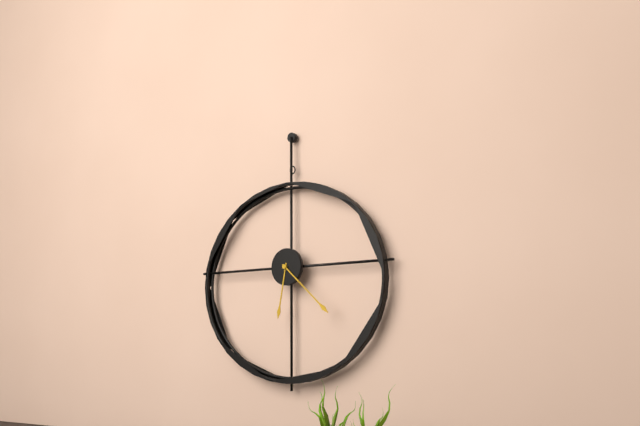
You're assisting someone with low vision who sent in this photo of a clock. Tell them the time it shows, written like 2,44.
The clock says 6,22
